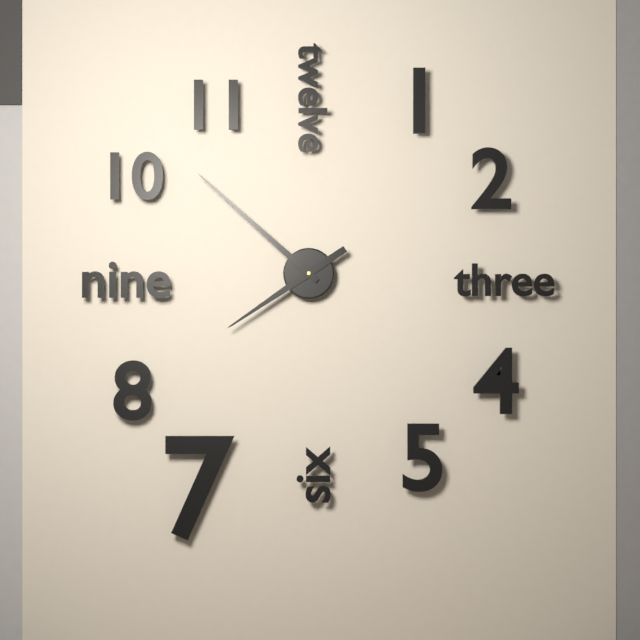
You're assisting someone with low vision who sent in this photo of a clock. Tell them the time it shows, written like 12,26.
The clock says 7,52
